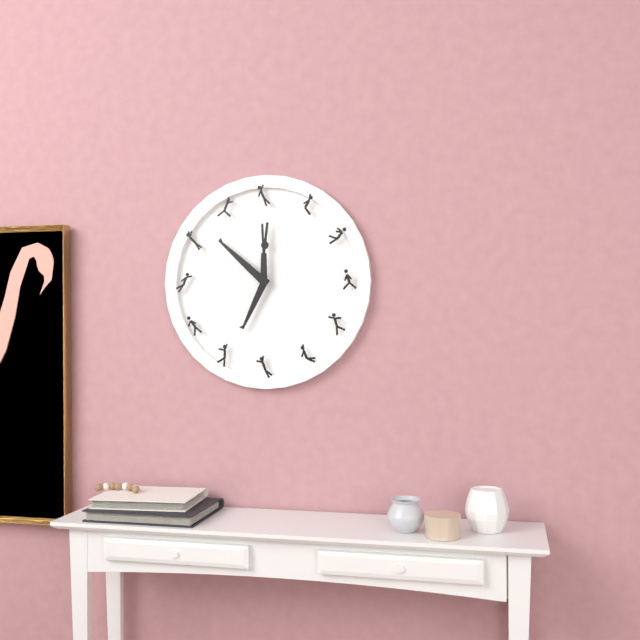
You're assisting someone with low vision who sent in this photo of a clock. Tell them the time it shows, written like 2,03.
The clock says 6,52
